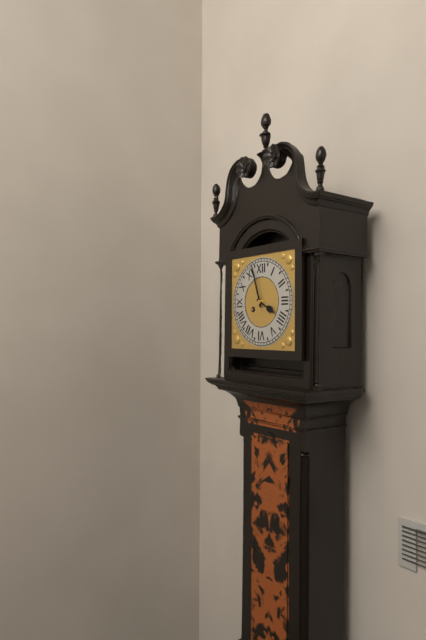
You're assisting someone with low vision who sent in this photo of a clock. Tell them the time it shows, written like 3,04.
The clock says 3,57
